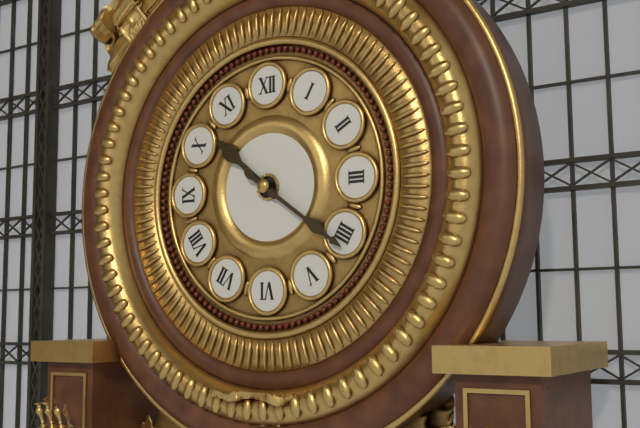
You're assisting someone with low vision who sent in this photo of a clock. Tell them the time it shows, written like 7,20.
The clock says 10,21
